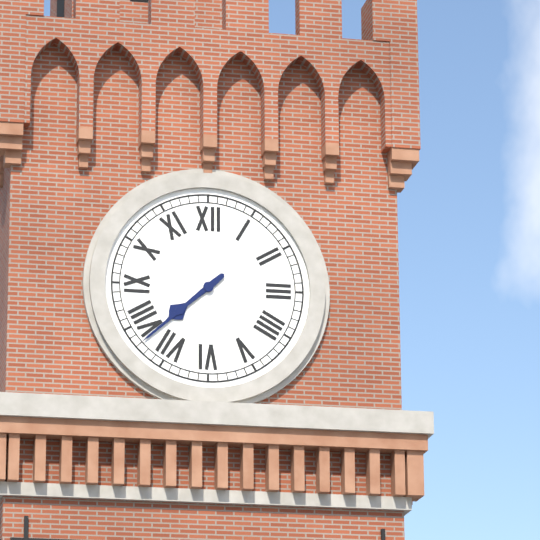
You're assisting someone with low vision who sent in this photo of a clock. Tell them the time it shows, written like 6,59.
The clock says 7,38
